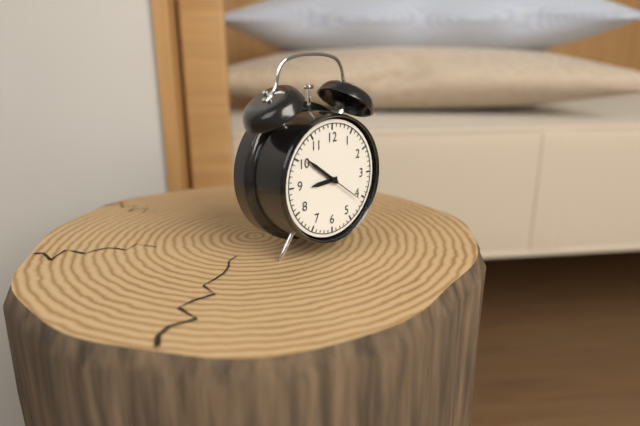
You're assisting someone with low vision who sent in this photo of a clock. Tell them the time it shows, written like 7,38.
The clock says 8,51
